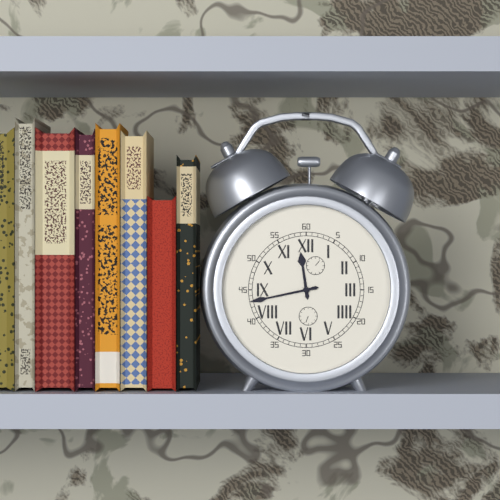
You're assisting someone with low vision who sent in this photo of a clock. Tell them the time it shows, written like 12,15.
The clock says 11,43
